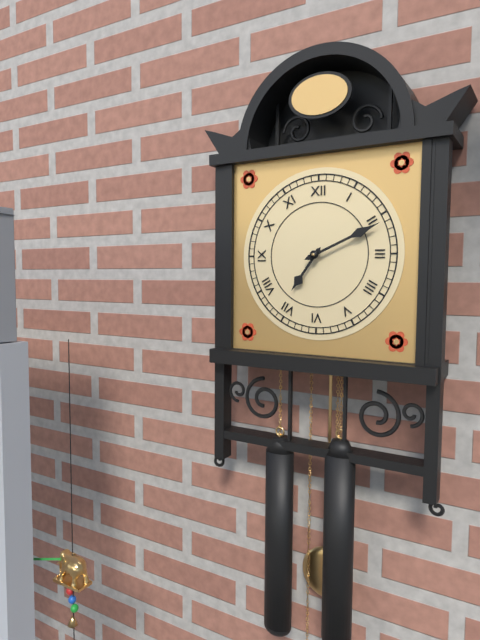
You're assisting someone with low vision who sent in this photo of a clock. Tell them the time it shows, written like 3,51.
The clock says 7,11
